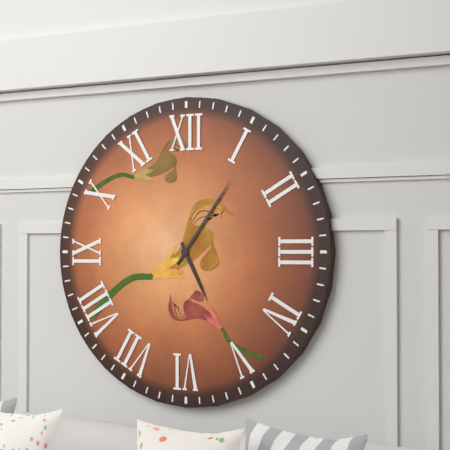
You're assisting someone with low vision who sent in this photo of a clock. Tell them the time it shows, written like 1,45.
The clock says 5,06
